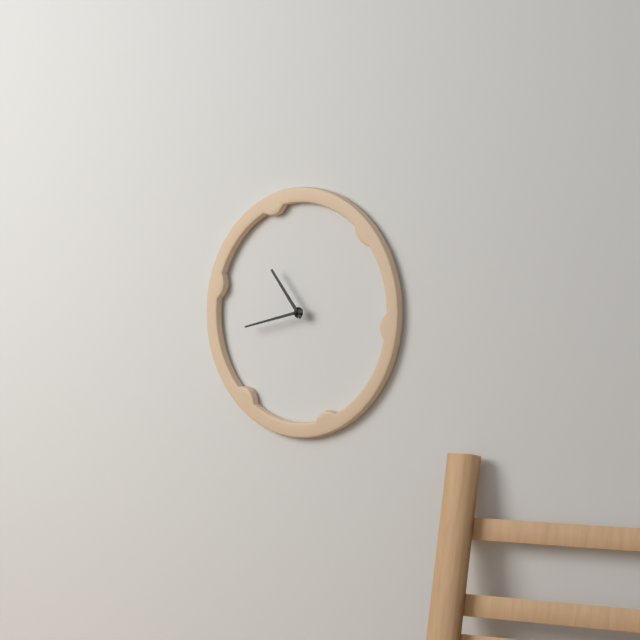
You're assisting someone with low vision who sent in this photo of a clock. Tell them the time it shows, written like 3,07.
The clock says 10,43
